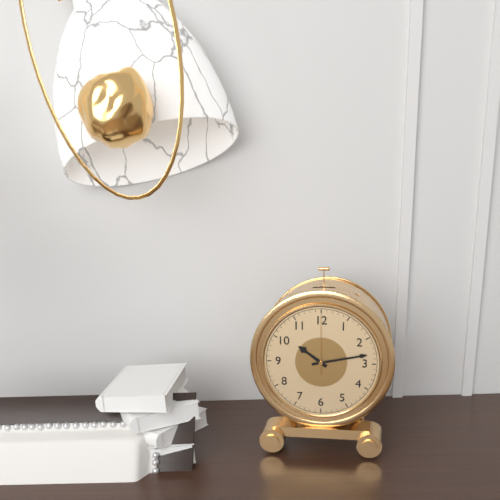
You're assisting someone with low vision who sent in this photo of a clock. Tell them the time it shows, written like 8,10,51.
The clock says 10,13,00
